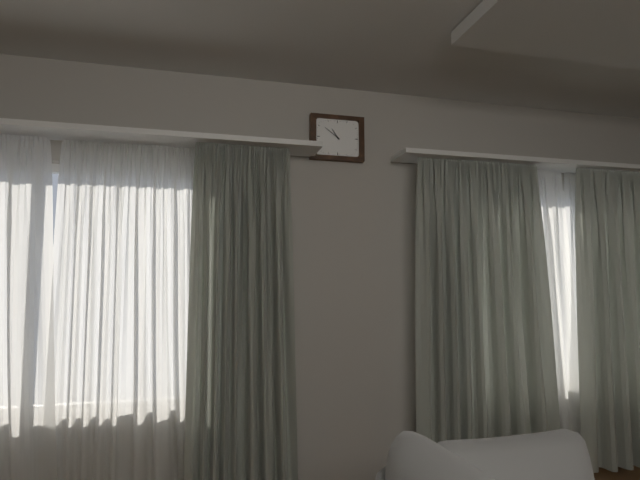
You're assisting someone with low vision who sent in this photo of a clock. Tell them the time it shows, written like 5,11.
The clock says 10,51
